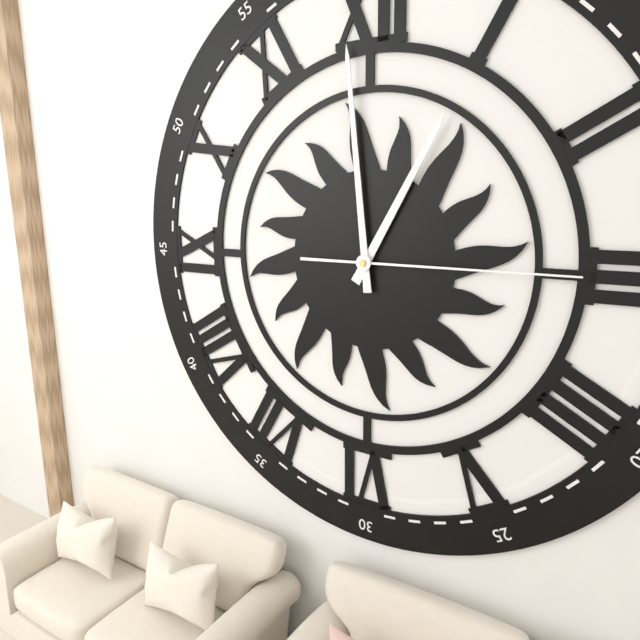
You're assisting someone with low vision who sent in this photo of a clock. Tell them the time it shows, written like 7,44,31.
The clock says 12,59,15
